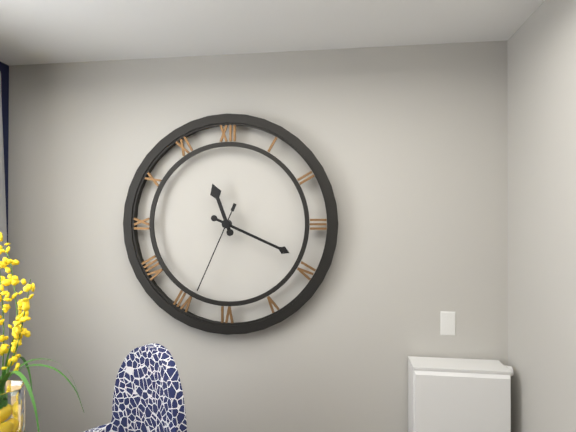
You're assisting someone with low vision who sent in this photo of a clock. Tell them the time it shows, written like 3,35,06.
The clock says 11,19,34
